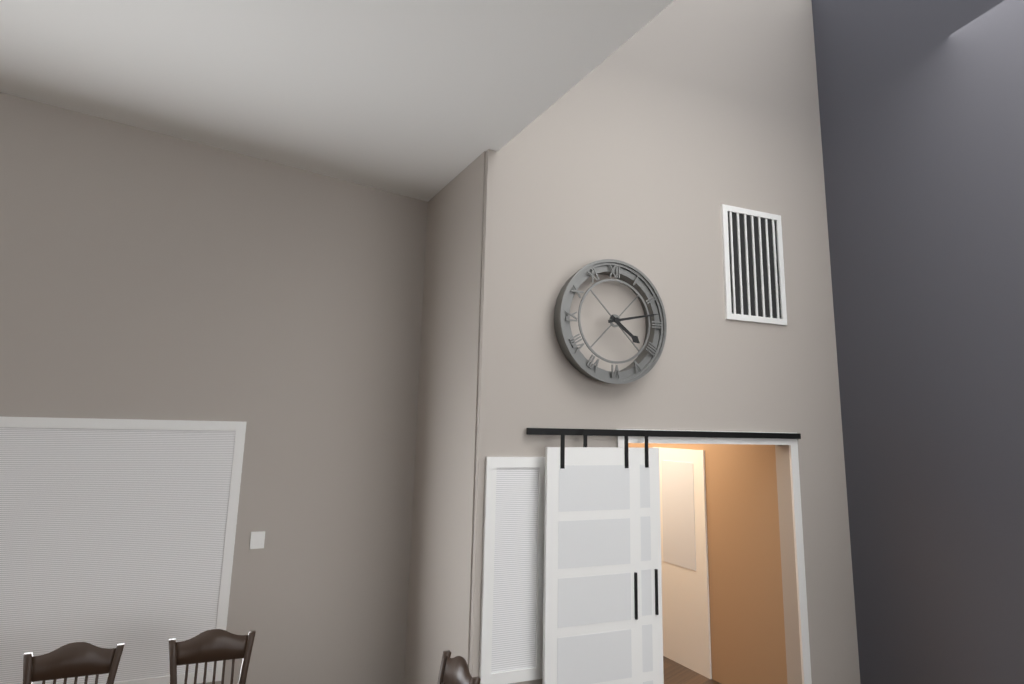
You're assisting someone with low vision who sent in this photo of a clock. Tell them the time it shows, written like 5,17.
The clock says 4,13
